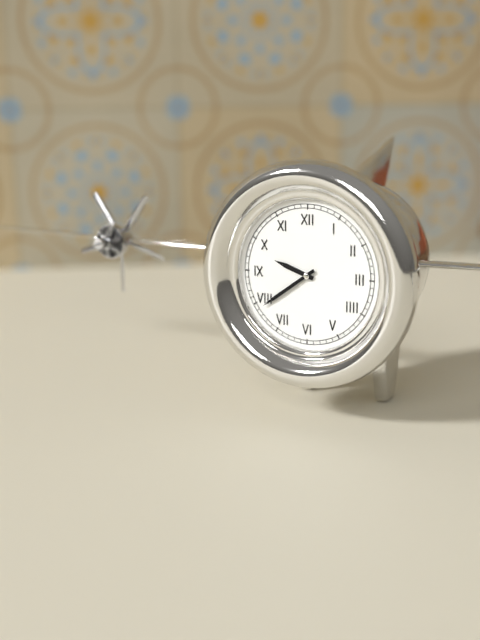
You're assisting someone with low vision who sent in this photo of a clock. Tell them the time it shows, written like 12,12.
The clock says 9,39
